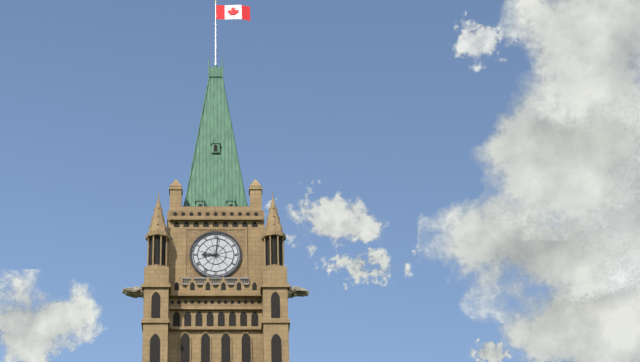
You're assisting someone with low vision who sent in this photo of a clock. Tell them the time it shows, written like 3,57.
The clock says 9,01
